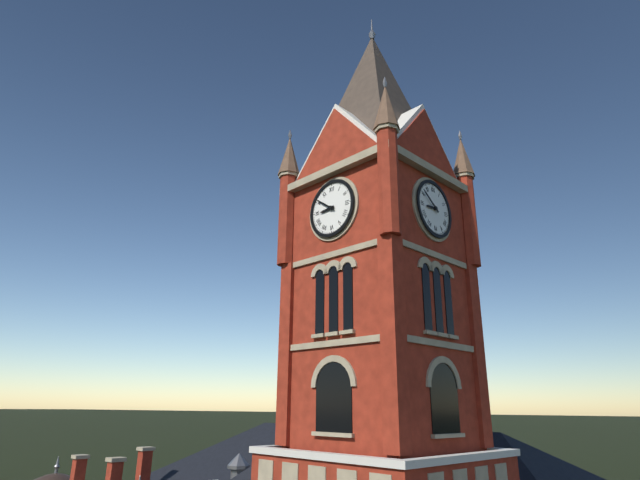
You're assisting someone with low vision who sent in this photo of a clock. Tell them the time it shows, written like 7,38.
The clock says 8,51
